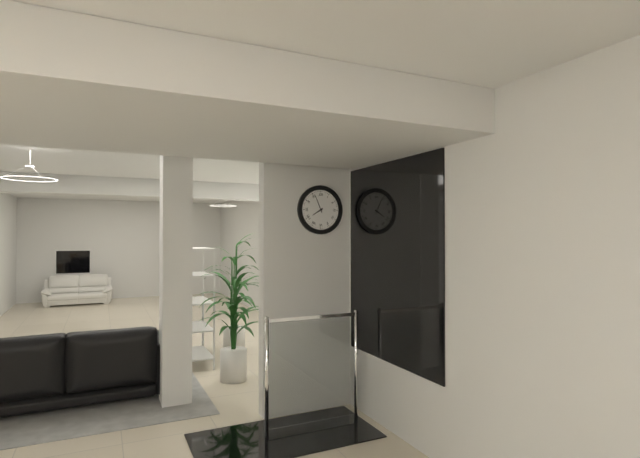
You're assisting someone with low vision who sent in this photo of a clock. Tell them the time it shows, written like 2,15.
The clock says 7,56
